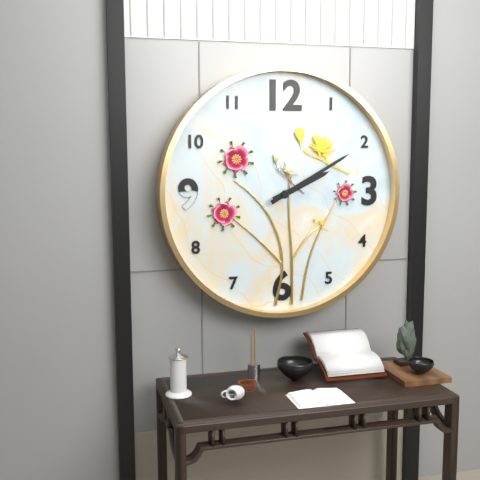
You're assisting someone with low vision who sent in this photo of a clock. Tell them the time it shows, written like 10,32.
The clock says 2,10
